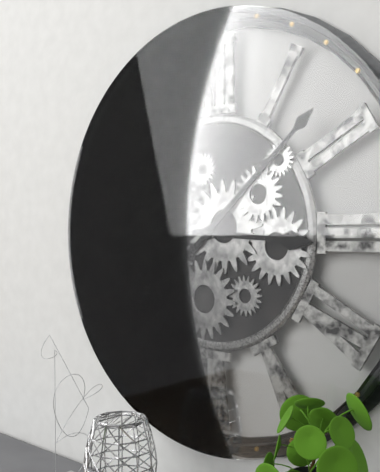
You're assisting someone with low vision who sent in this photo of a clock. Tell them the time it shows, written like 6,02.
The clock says 3,08
